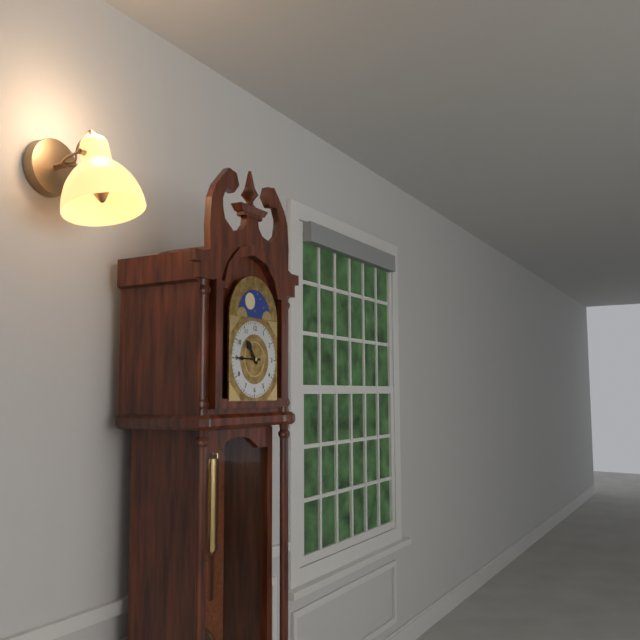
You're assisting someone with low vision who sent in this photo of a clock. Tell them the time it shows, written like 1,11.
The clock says 10,45
